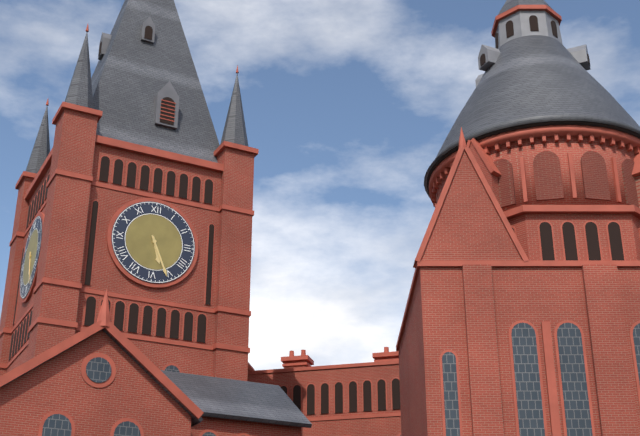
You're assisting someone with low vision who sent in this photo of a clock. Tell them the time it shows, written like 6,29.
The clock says 5,26
